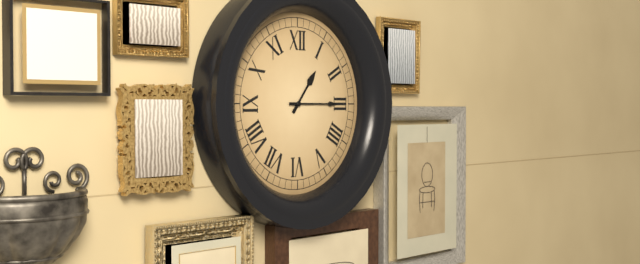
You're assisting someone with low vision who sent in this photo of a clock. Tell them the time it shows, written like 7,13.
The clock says 1,15
